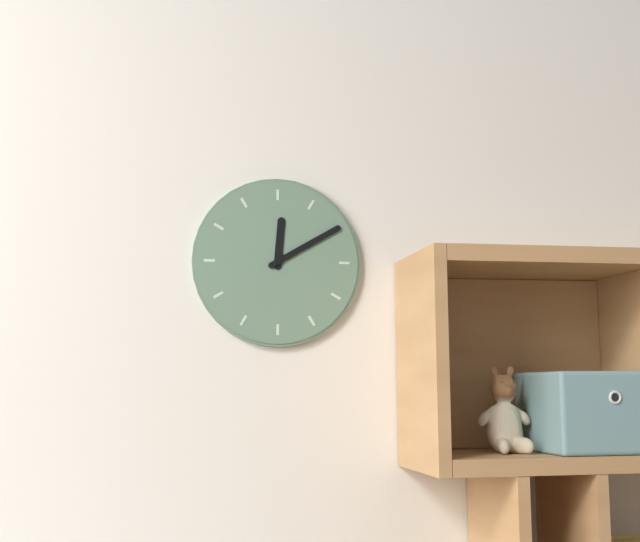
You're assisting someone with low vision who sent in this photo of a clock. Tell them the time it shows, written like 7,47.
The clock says 12,10
